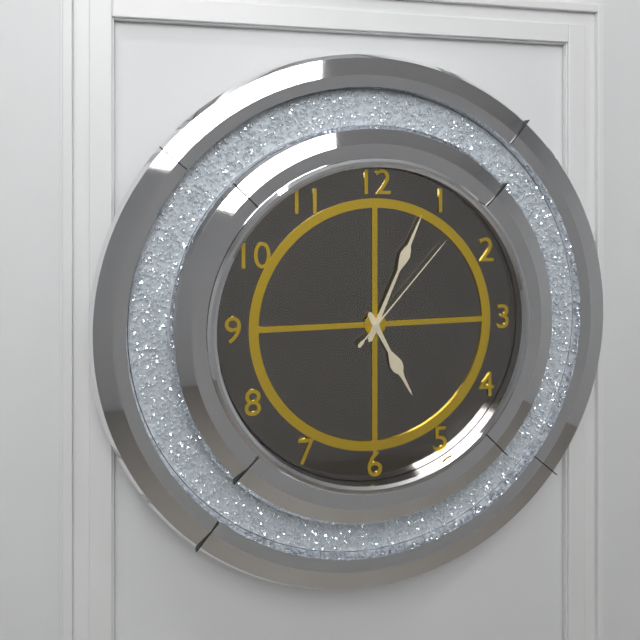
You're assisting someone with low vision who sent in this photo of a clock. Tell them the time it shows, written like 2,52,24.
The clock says 5,04,07
